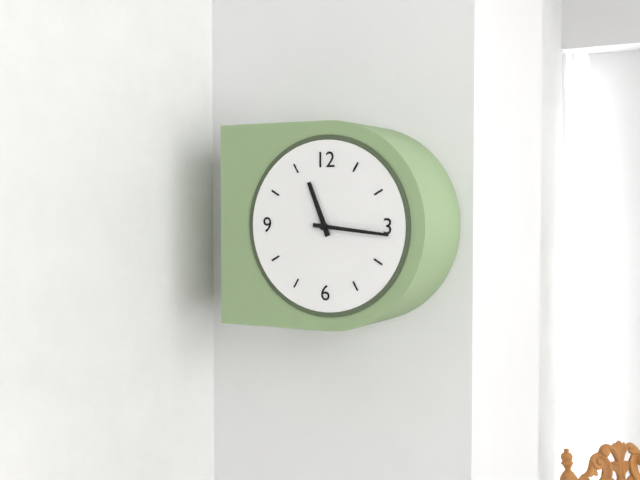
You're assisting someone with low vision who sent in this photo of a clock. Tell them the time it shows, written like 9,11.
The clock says 11,16
